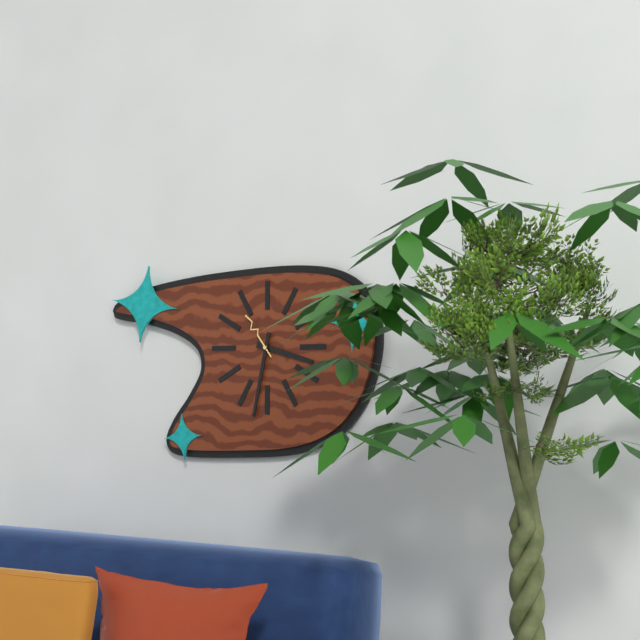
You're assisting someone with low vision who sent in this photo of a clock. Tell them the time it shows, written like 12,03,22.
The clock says 3,32,54
